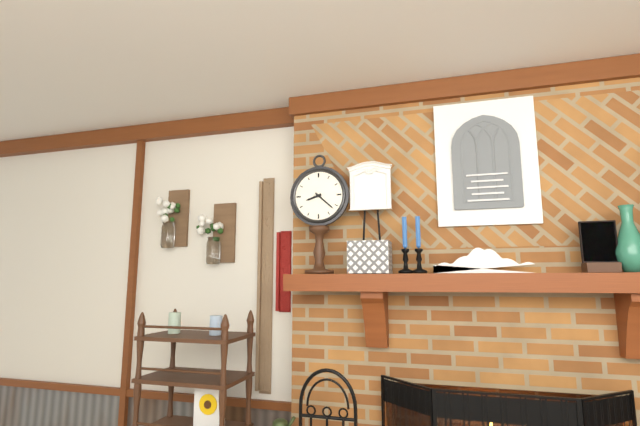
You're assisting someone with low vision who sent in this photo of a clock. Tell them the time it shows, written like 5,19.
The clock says 8,22
